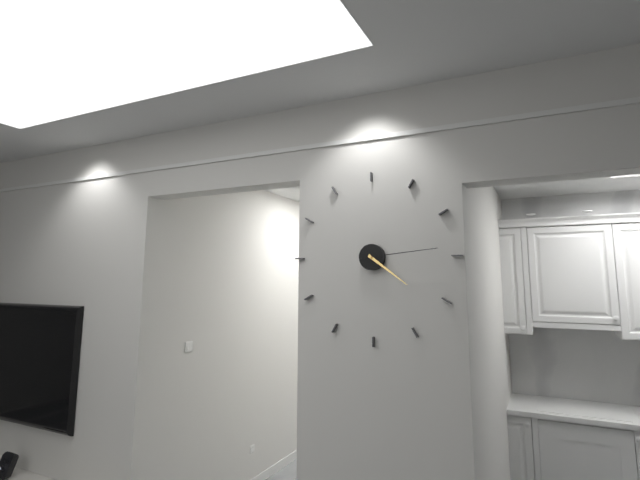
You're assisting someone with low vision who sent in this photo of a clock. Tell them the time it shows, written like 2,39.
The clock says 4,14
